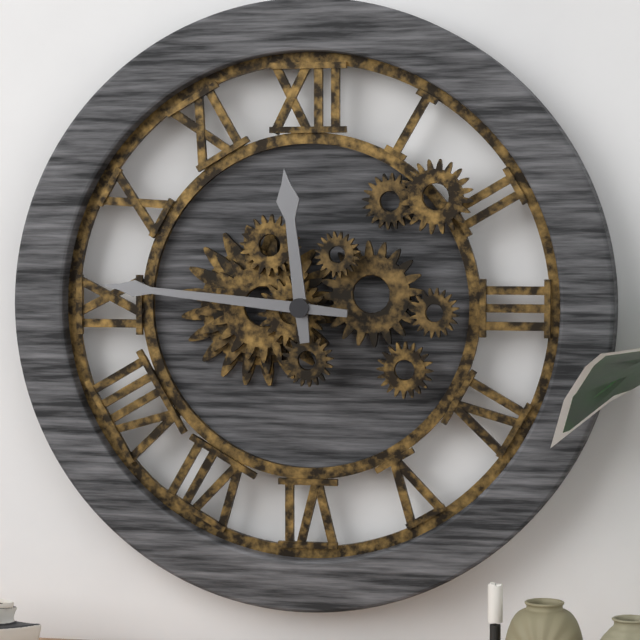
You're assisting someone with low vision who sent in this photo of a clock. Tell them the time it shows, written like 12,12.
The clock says 11,46
